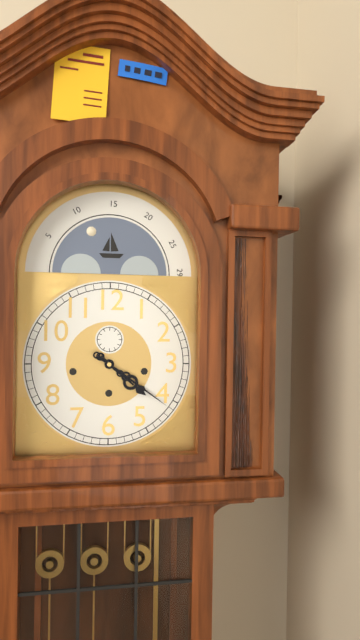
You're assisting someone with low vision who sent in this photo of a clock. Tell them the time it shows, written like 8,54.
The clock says 4,21
